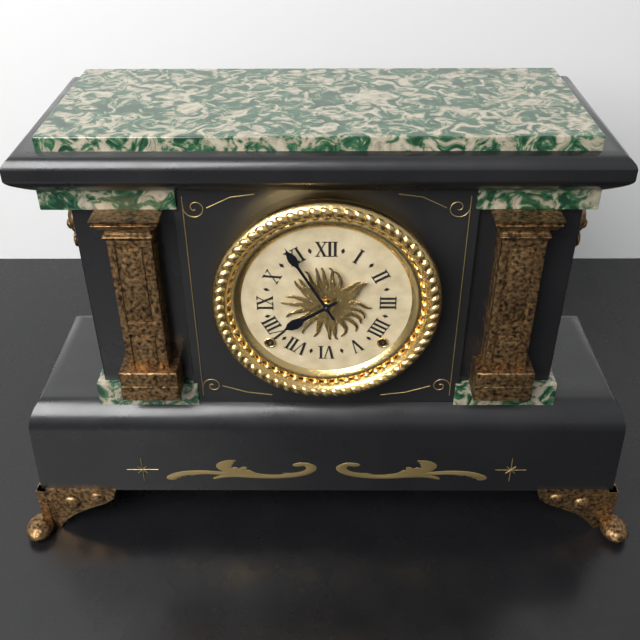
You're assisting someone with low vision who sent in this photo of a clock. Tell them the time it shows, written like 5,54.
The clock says 7,55
